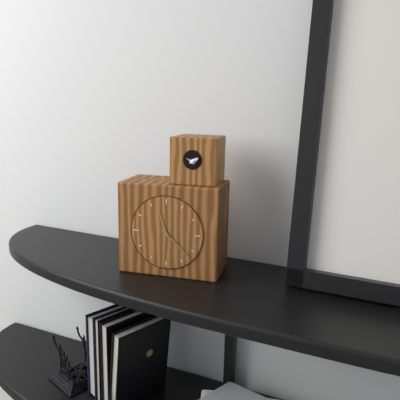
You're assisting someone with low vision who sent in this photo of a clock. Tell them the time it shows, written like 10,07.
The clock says 11,22
